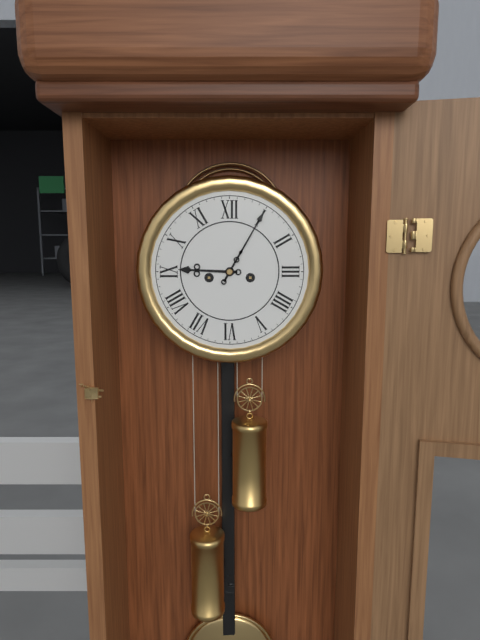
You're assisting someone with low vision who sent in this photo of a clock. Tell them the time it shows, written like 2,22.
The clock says 9,05
